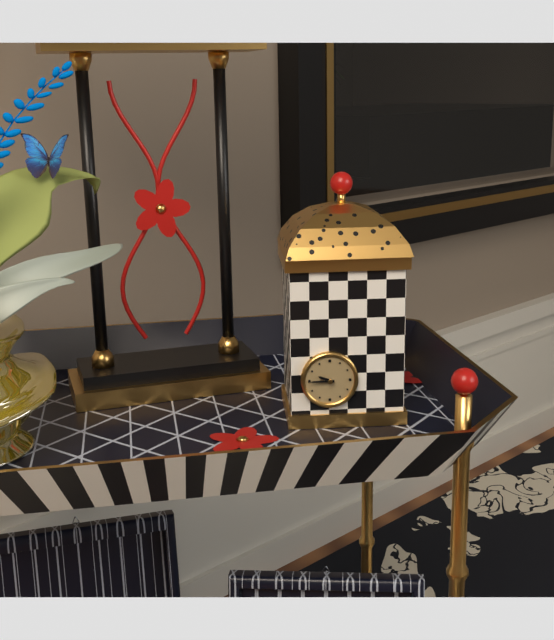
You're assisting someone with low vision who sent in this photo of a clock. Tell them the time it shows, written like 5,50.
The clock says 9,45
